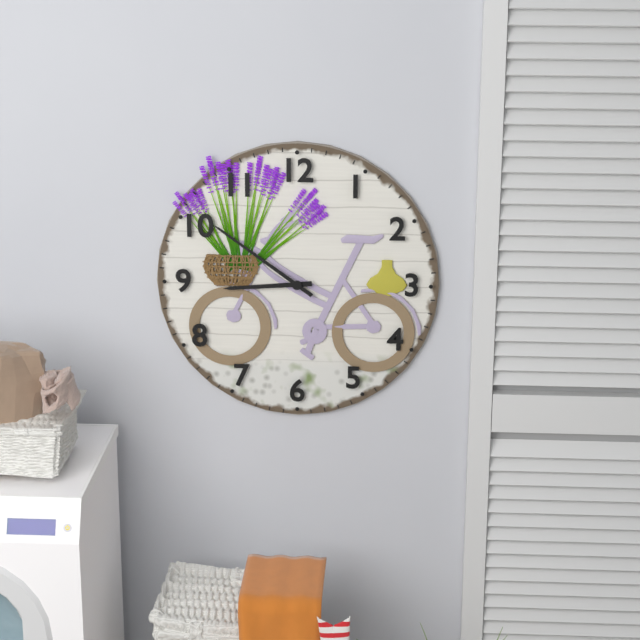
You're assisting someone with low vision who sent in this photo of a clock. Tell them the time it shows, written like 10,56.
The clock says 8,51
